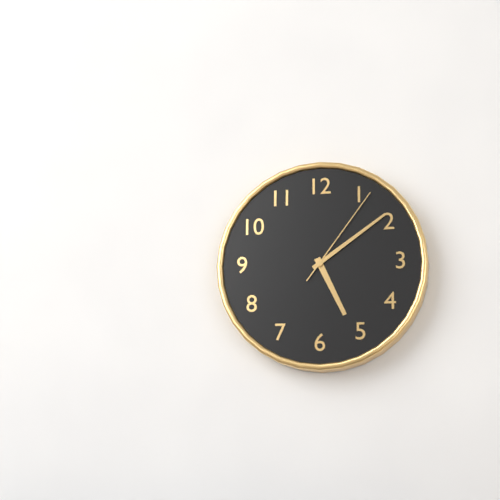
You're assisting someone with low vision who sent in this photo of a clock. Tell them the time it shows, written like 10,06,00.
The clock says 5,09,06
